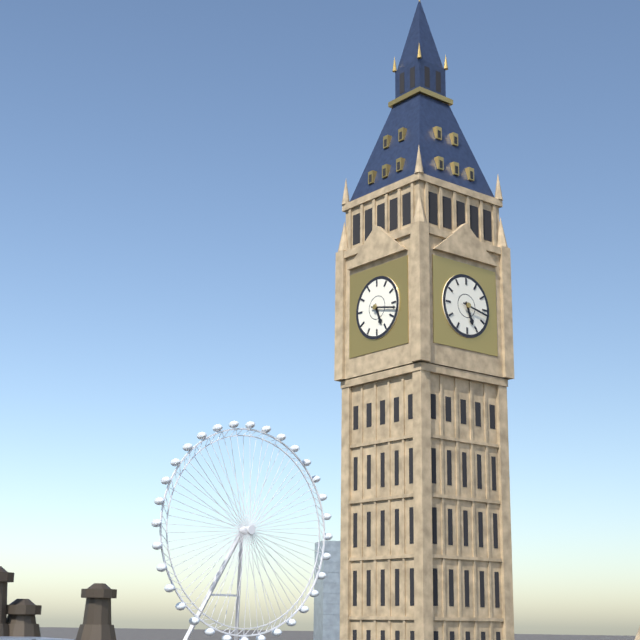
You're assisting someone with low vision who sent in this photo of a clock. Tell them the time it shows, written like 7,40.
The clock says 5,17
